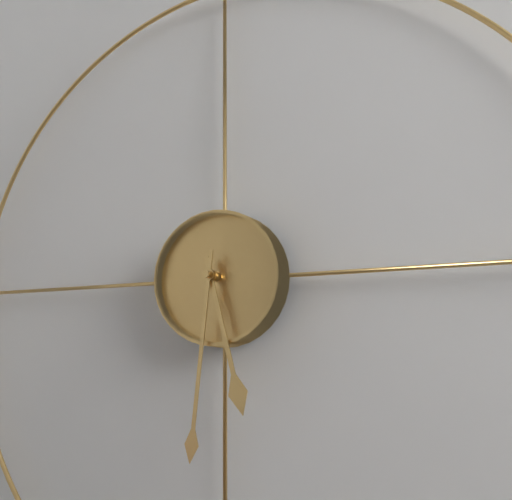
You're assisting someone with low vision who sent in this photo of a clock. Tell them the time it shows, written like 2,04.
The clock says 5,31
